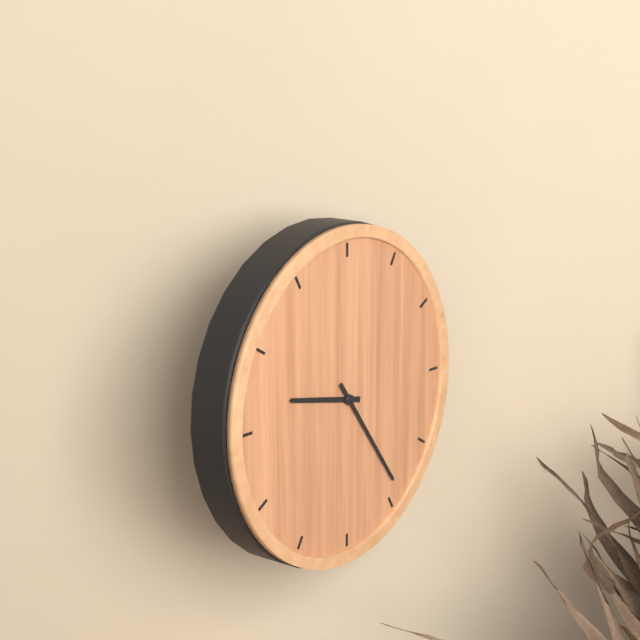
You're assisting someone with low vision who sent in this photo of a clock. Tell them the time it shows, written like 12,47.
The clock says 9,24
